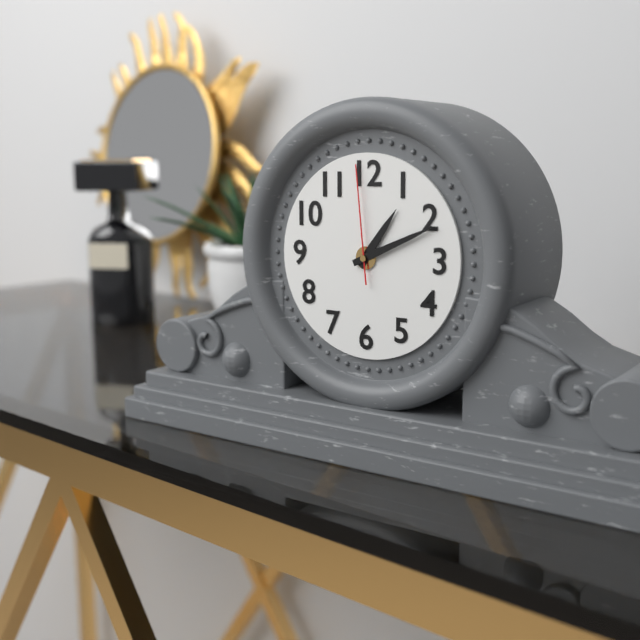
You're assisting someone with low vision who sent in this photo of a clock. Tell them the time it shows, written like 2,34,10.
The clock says 1,11,59
